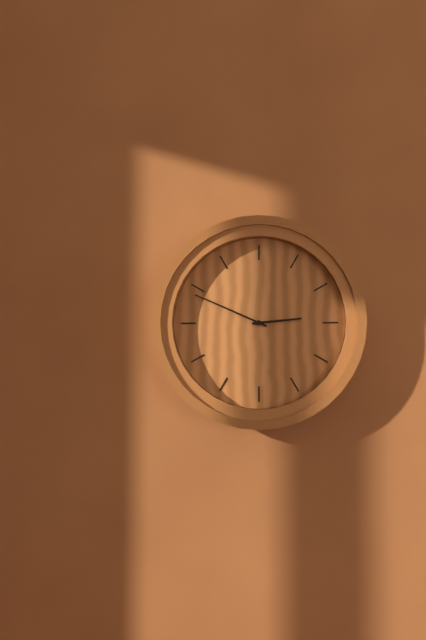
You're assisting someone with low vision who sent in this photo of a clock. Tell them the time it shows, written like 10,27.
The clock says 2,49
